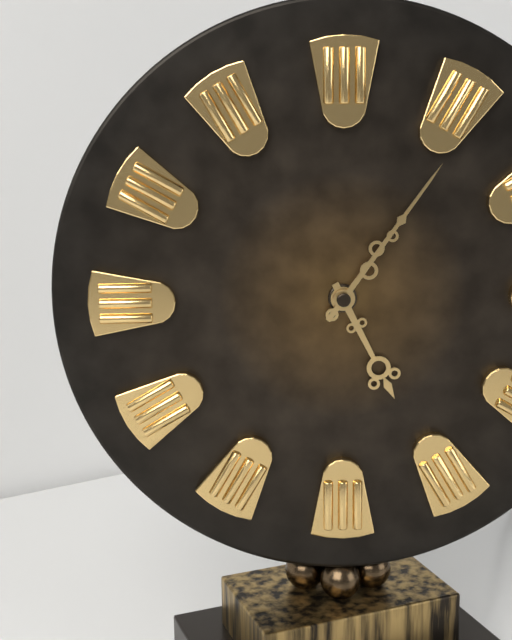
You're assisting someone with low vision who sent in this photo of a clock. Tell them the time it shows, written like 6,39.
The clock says 5,06
